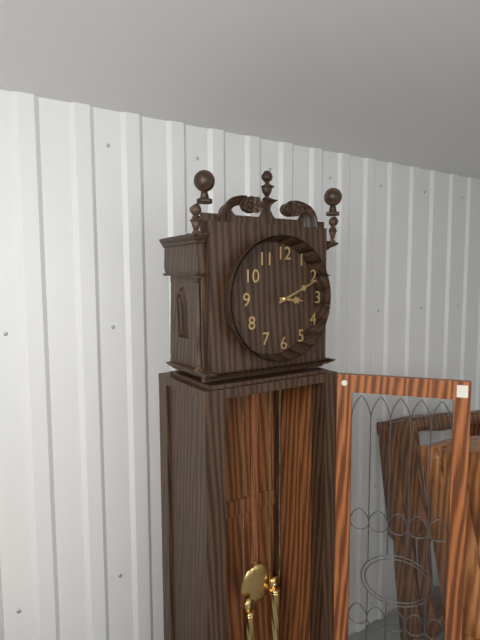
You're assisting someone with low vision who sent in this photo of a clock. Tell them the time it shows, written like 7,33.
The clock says 3,11
